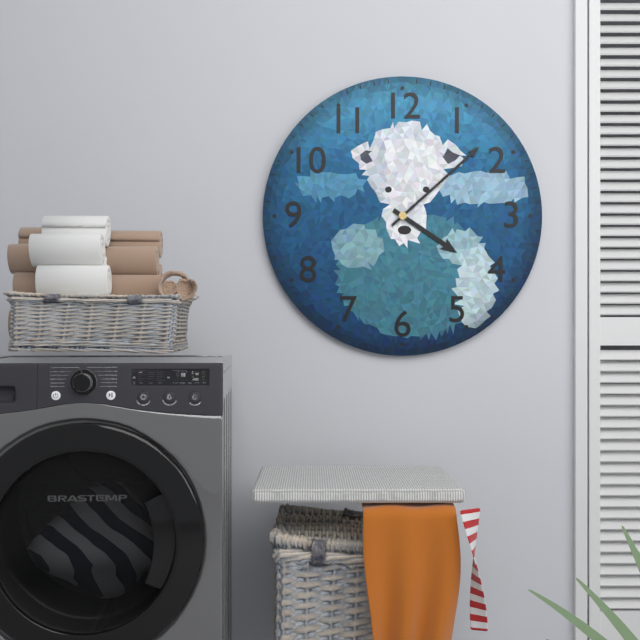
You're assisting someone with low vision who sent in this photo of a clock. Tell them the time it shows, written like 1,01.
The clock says 4,08
